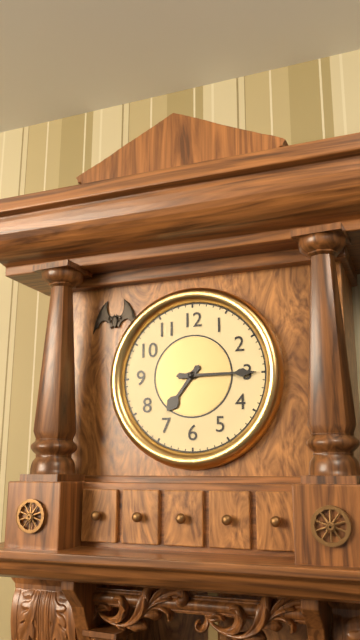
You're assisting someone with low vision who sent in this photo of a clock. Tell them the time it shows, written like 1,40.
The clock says 7,15
